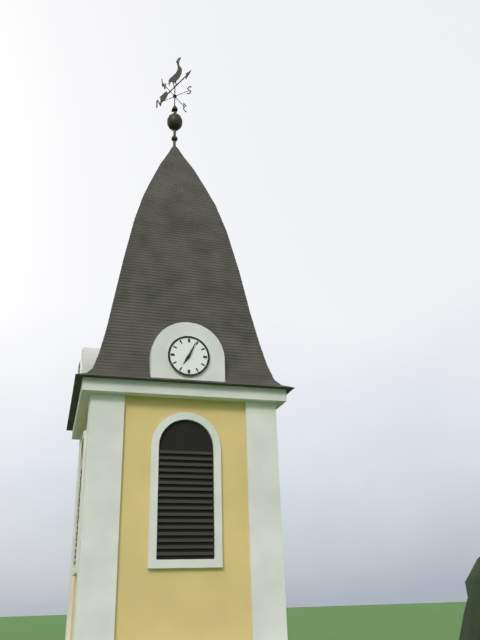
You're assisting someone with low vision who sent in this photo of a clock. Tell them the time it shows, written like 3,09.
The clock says 7,04
